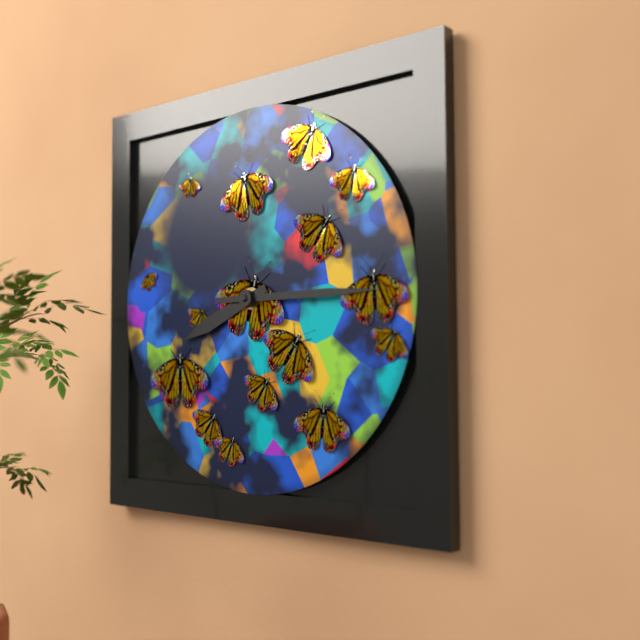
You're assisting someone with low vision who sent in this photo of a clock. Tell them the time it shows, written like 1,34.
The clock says 8,15
